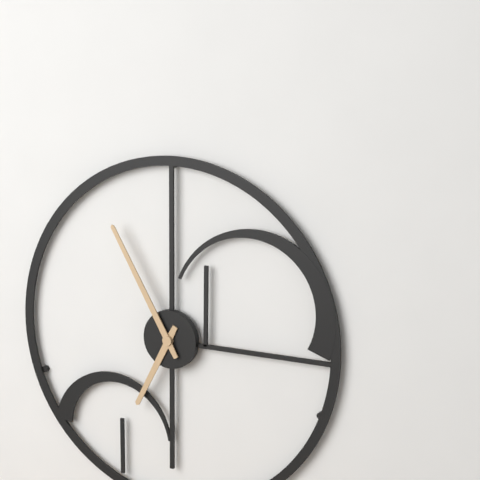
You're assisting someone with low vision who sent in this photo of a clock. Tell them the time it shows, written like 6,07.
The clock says 6,55
